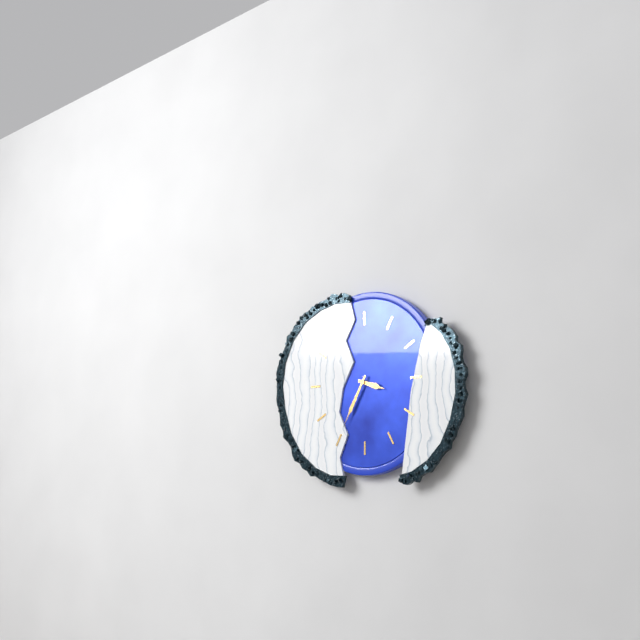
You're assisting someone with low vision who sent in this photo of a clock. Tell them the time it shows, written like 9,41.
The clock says 3,35
